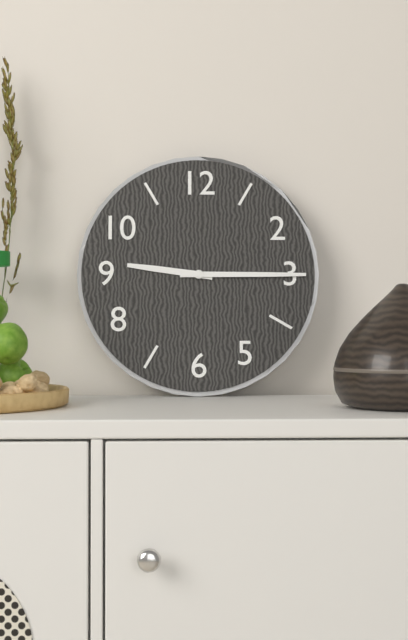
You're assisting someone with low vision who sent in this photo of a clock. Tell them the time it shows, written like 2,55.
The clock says 9,15
